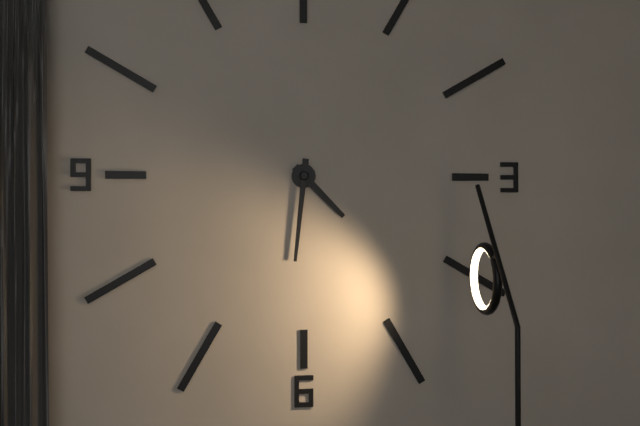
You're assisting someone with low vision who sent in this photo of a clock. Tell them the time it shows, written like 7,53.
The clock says 4,31
